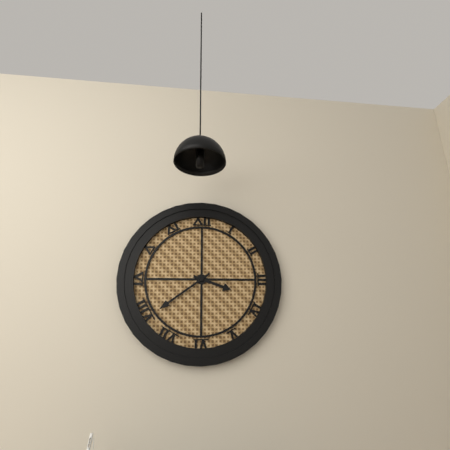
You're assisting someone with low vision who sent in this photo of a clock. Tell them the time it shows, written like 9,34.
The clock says 3,39
